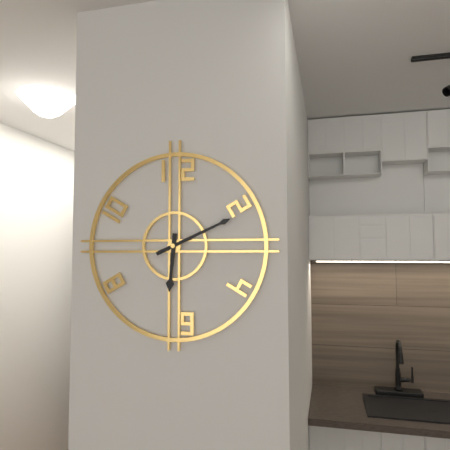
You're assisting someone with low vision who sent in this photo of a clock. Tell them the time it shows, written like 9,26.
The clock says 6,11
